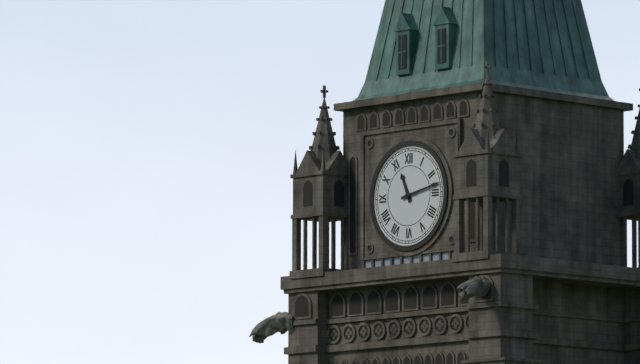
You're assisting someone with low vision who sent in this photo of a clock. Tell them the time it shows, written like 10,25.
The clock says 11,13
